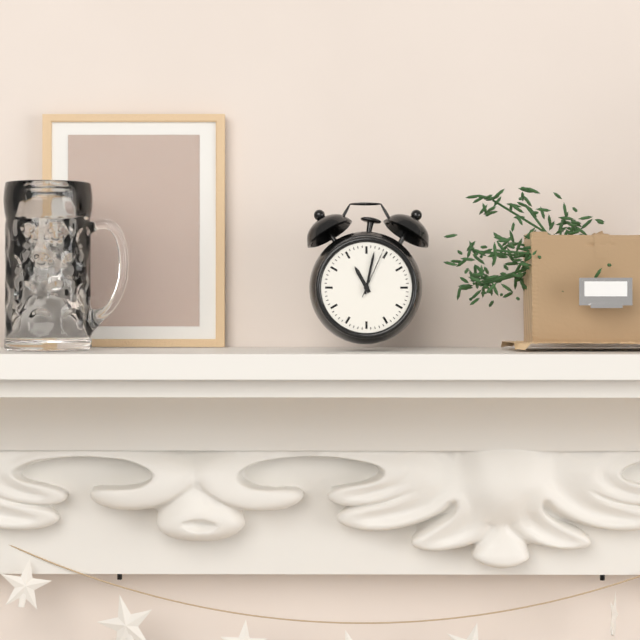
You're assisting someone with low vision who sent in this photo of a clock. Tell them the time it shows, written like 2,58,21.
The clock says 11,02,04
